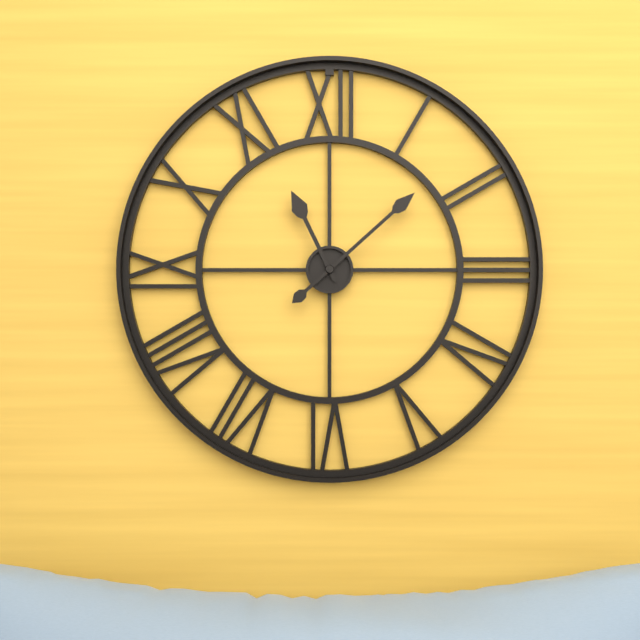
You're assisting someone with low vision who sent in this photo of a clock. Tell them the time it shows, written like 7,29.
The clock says 11,08
